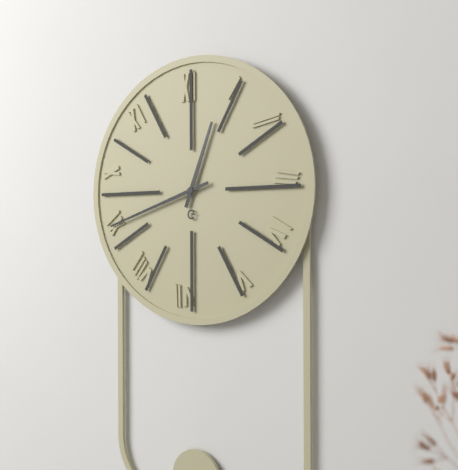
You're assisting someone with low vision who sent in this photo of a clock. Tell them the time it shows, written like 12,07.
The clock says 12,42
